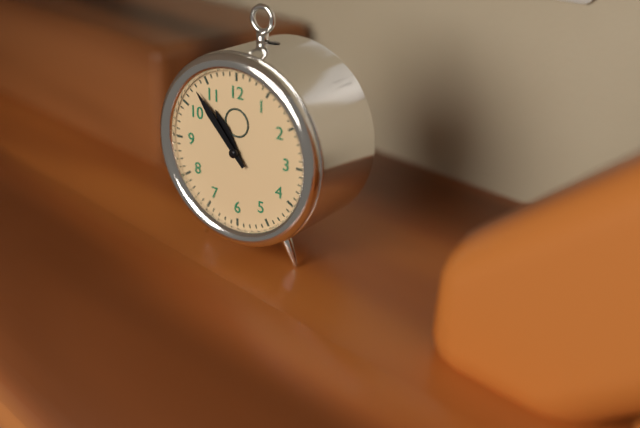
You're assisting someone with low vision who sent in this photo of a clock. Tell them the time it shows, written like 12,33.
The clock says 10,53
